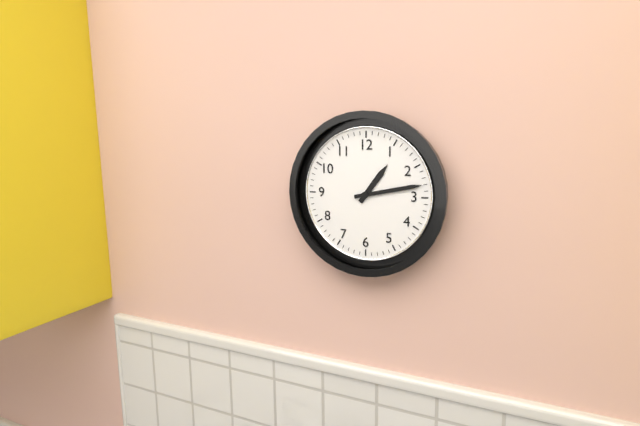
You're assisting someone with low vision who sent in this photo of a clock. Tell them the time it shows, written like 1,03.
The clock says 1,13
